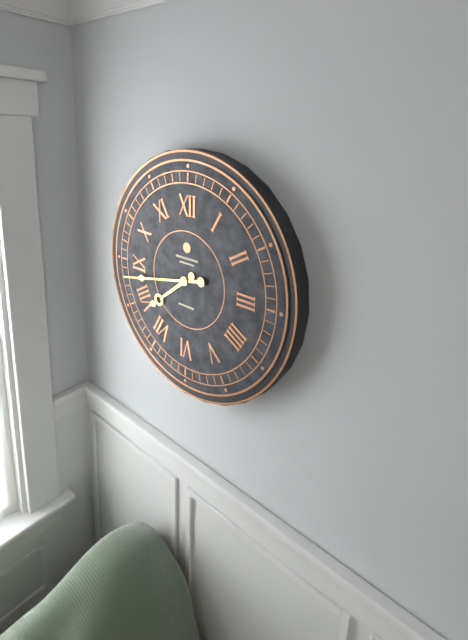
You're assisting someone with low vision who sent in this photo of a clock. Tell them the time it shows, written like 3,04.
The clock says 7,43
